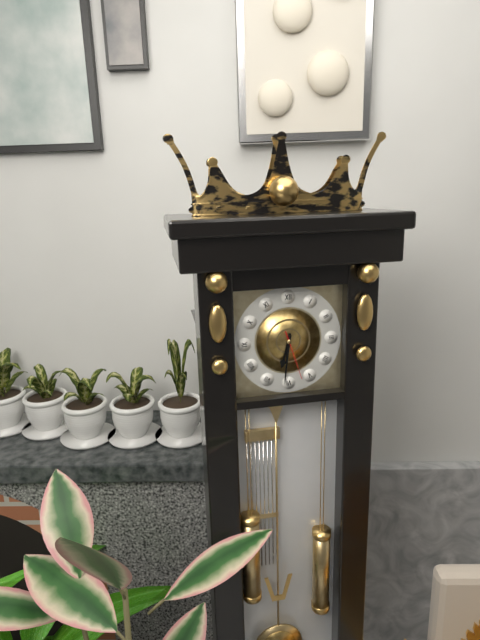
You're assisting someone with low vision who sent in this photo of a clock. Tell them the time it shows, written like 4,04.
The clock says 6,31
